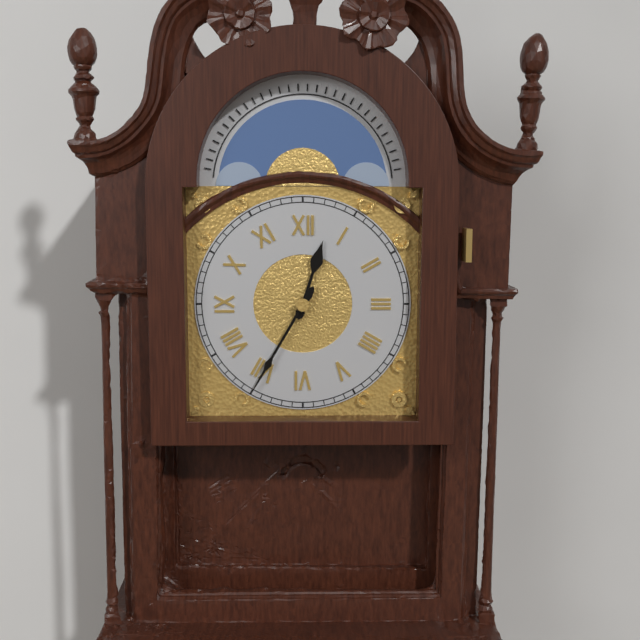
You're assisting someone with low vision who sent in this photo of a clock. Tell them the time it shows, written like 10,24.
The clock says 12,35
